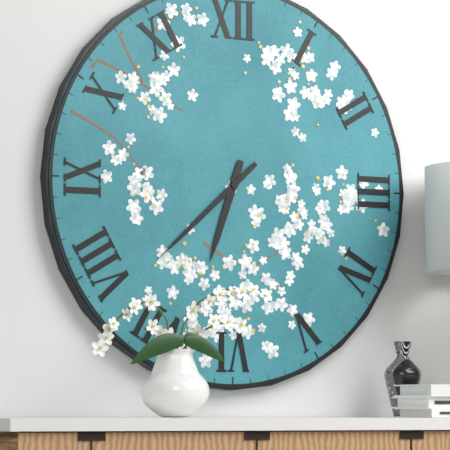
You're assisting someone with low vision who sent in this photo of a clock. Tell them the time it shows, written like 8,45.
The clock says 6,38
